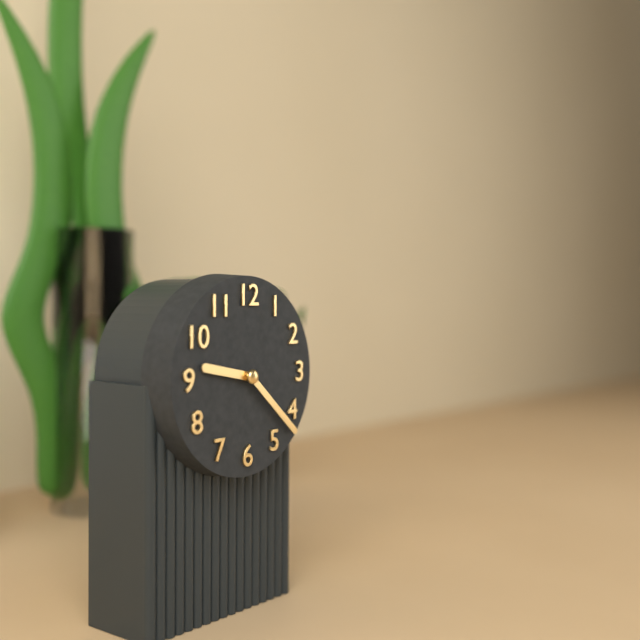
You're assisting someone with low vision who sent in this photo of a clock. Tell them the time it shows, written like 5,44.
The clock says 9,22
